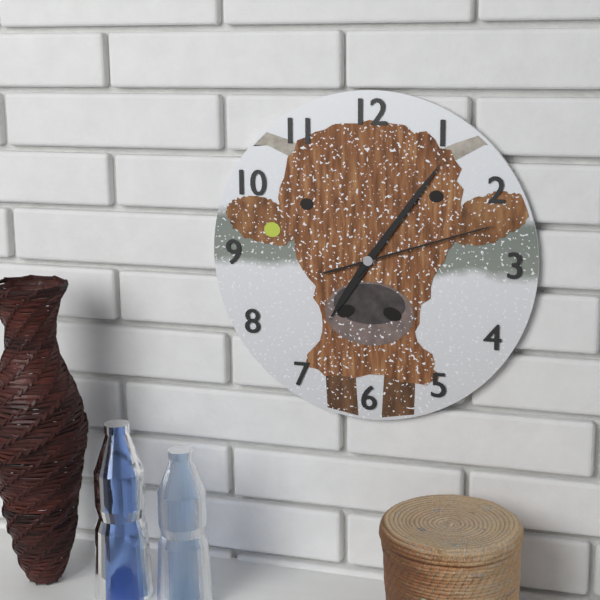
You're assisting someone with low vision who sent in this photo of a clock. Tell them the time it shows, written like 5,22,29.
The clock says 7,06,12
